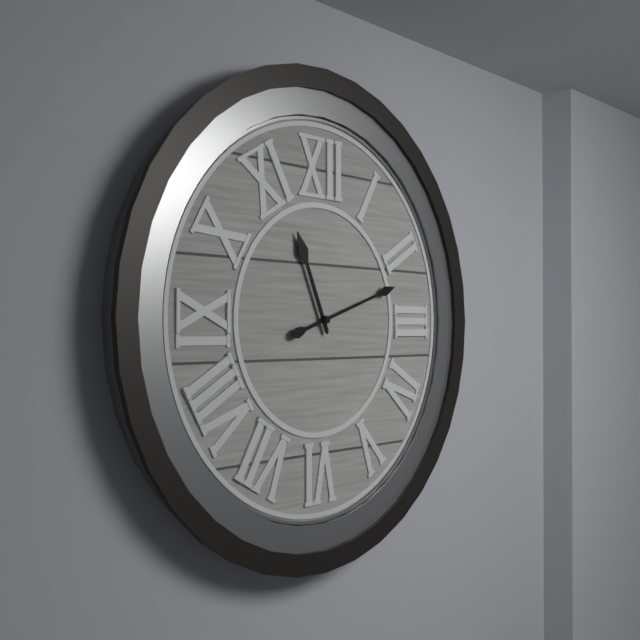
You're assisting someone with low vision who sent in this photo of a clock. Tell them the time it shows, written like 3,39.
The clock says 11,12
